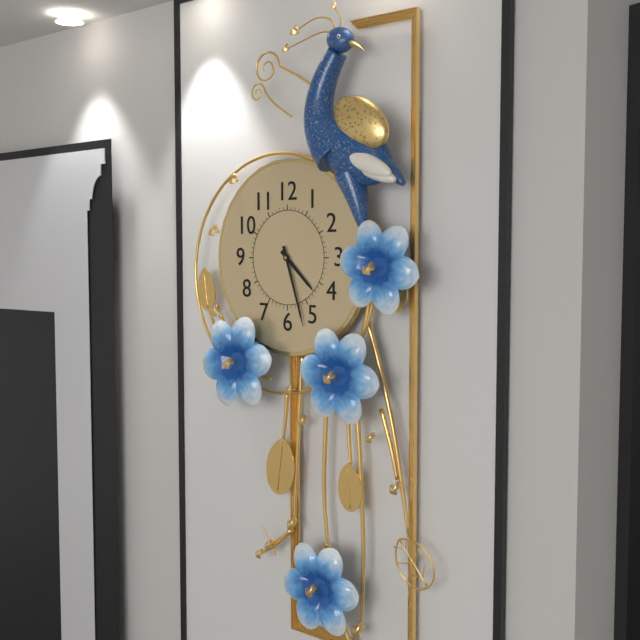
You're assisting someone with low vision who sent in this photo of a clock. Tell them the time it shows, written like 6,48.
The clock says 4,27
